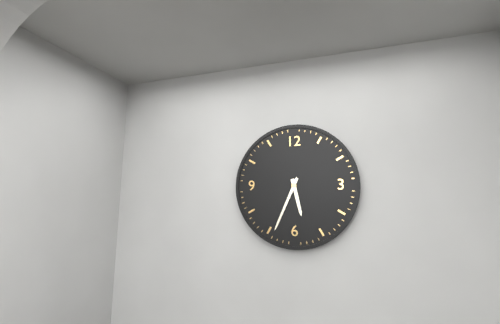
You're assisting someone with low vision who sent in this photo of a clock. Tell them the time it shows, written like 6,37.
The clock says 5,34
